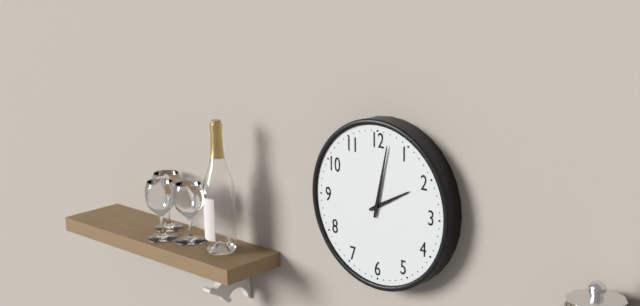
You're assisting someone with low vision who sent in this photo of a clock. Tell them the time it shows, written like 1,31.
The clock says 2,02
